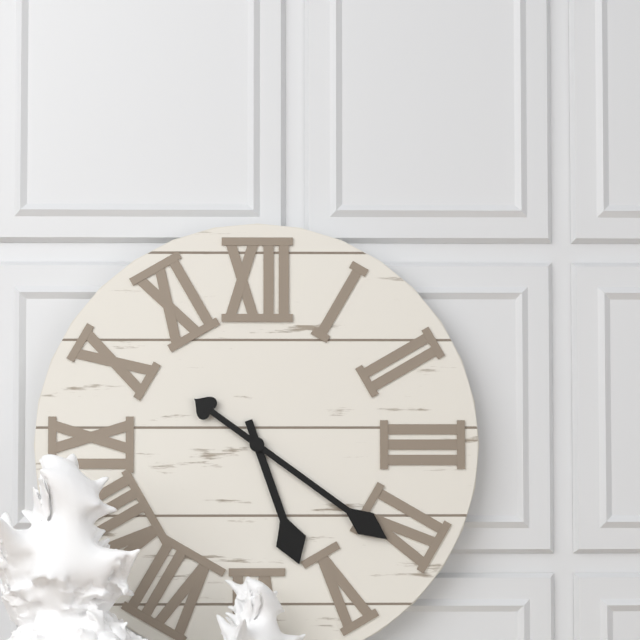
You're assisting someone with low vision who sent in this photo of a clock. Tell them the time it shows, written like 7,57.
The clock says 5,21
